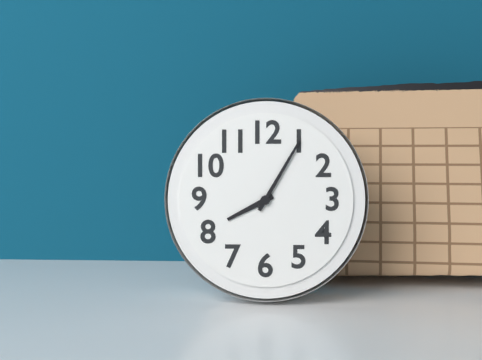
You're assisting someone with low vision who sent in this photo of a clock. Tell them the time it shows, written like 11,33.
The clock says 8,05
